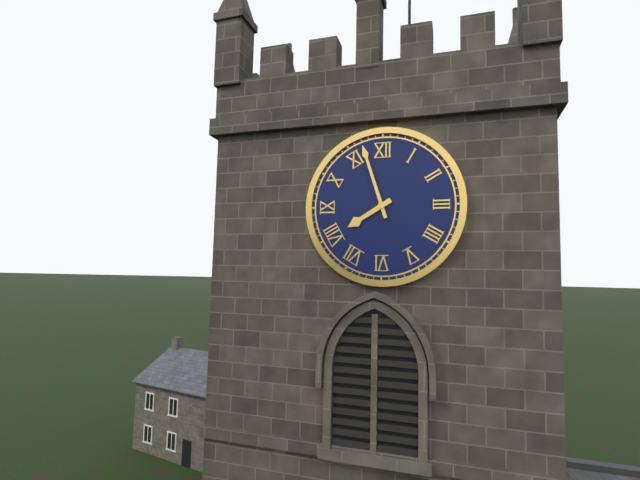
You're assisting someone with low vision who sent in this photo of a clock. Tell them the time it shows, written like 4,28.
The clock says 7,57
